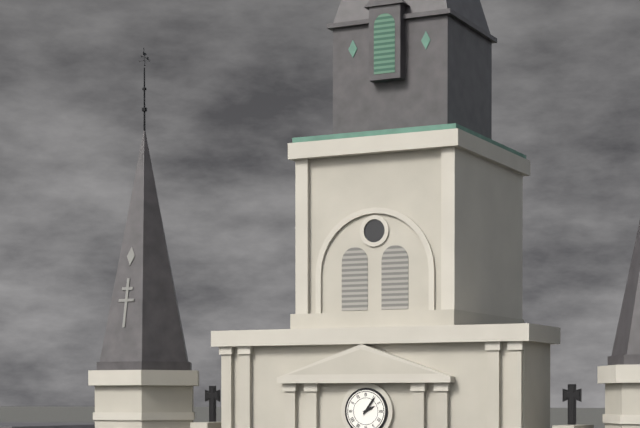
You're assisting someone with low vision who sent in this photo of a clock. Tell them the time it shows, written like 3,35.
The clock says 2,06
